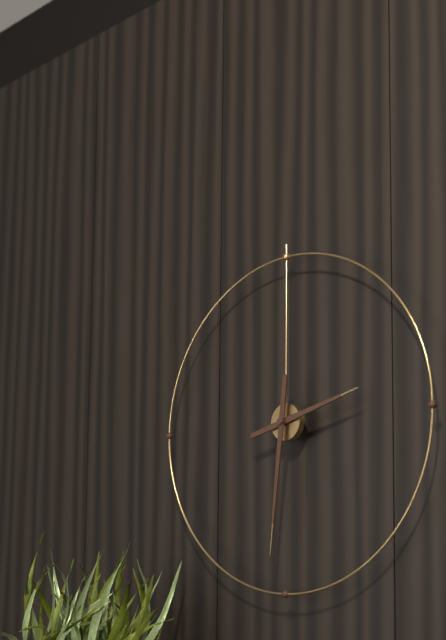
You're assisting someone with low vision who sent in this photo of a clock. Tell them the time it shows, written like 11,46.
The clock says 2,31
